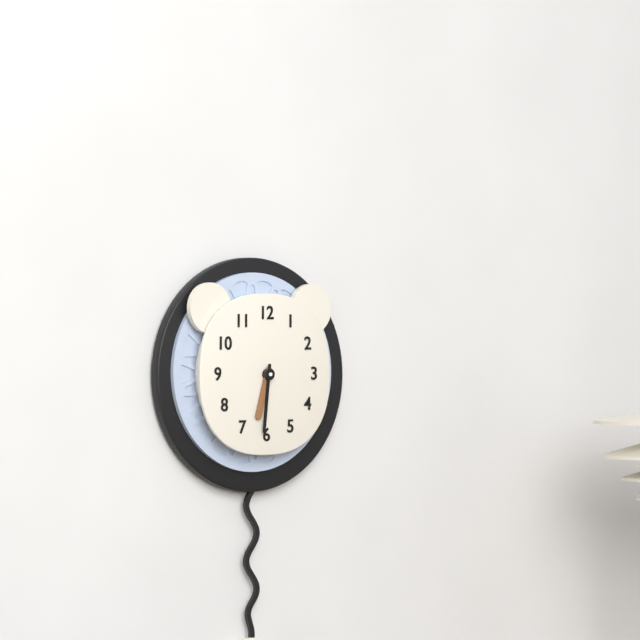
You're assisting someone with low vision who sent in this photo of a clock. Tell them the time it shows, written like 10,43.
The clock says 6,31
